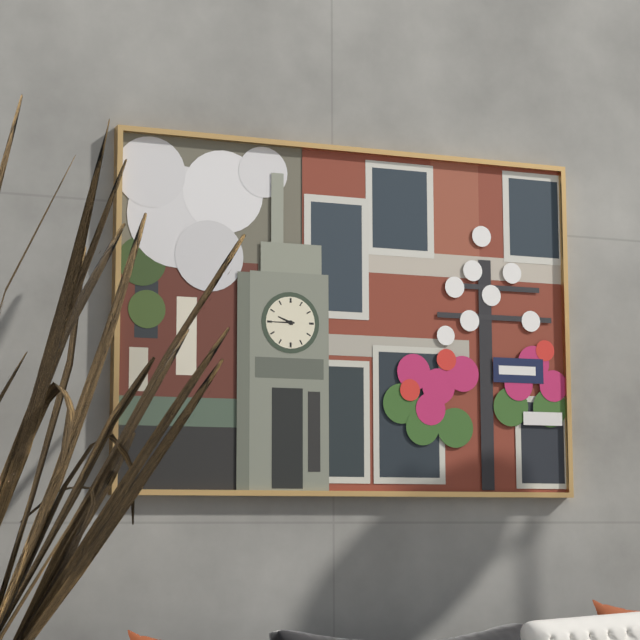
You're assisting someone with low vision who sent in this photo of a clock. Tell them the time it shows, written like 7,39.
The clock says 9,45
